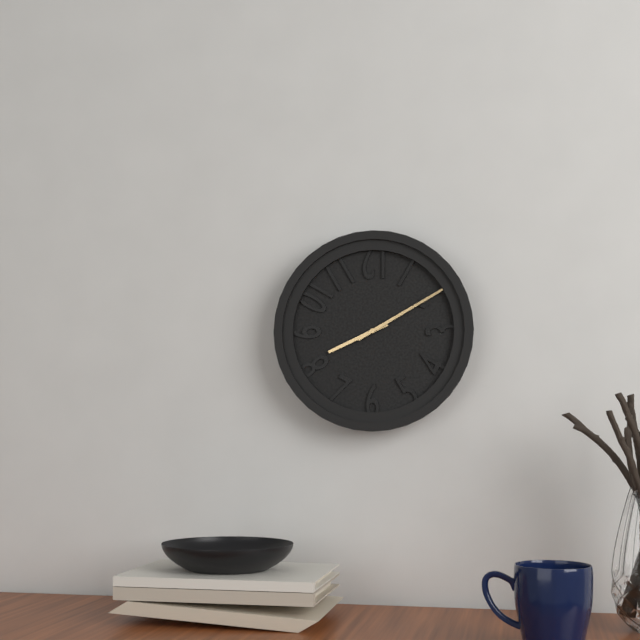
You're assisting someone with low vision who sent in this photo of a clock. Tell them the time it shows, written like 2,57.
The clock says 8,10
